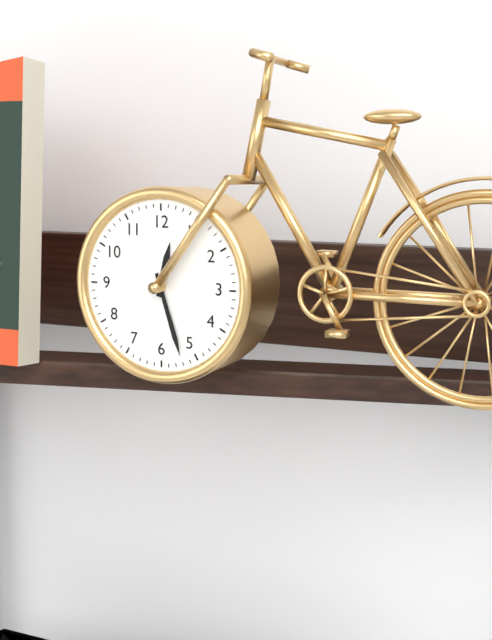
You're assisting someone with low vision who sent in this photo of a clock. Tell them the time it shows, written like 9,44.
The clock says 12,27
